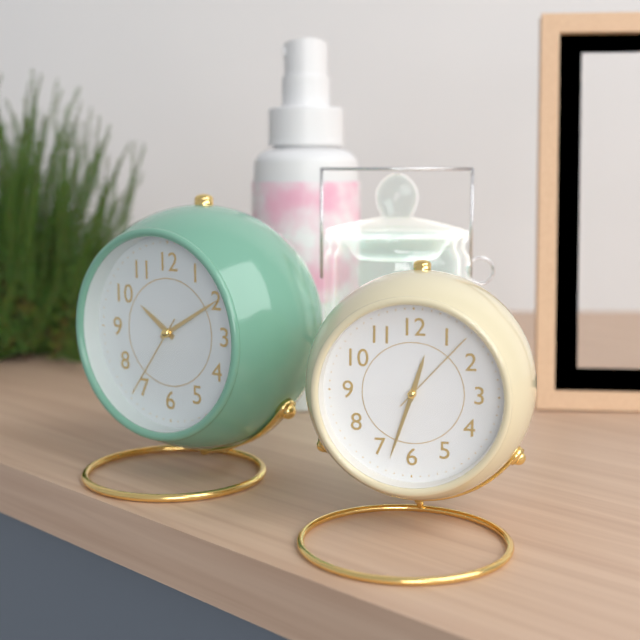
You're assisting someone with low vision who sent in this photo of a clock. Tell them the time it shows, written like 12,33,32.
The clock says 12,33,07
